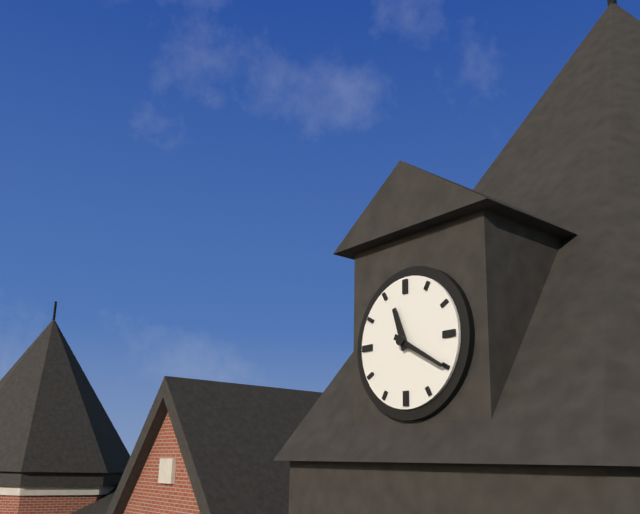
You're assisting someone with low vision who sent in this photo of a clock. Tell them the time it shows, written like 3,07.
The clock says 11,20
